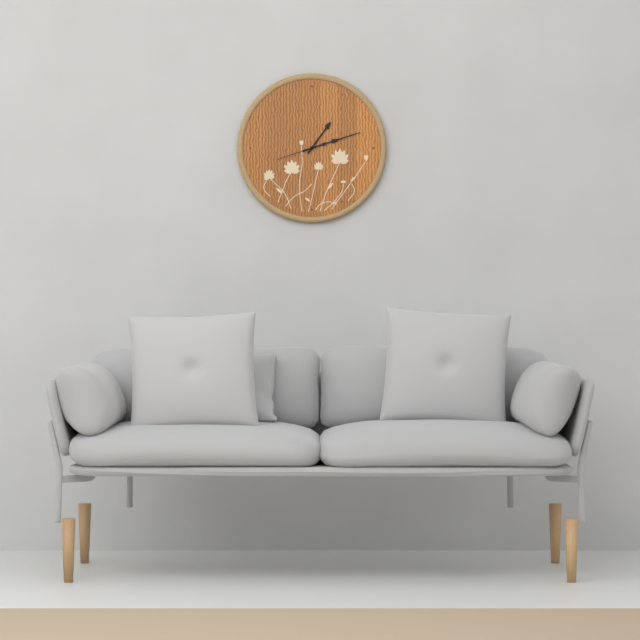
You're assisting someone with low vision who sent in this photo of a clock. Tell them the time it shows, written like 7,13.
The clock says 1,12
